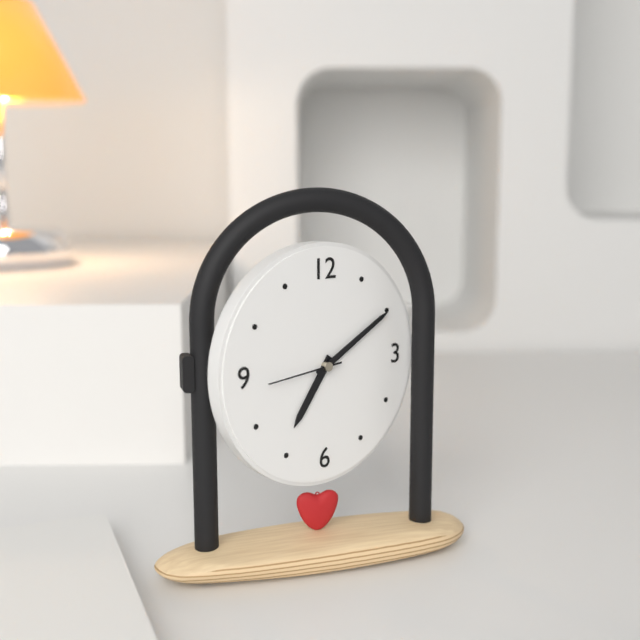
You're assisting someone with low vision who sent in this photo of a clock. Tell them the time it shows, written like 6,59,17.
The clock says 7,10,44
